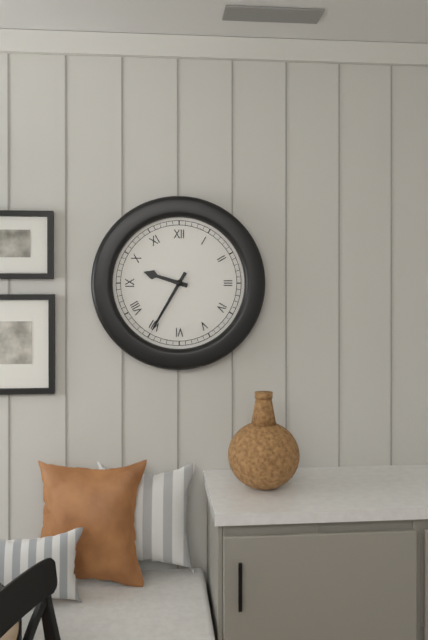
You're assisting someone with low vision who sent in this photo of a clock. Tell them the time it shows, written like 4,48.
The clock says 9,35
